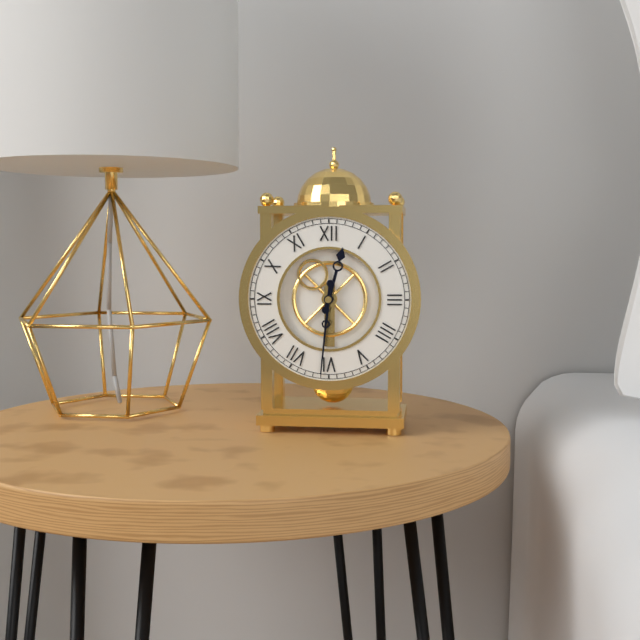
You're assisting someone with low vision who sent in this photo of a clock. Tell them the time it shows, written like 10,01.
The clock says 12,31
